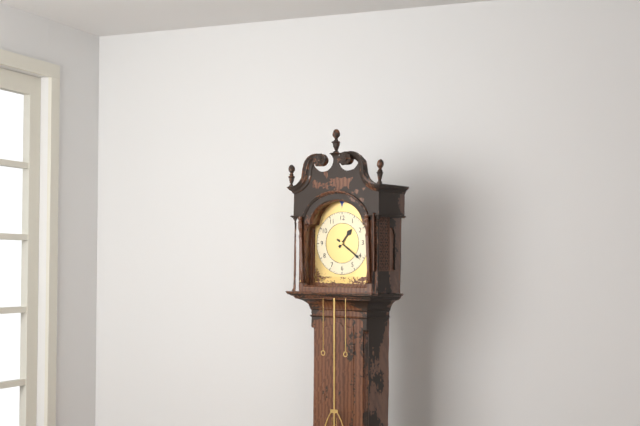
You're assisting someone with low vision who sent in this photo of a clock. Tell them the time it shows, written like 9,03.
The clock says 1,21
